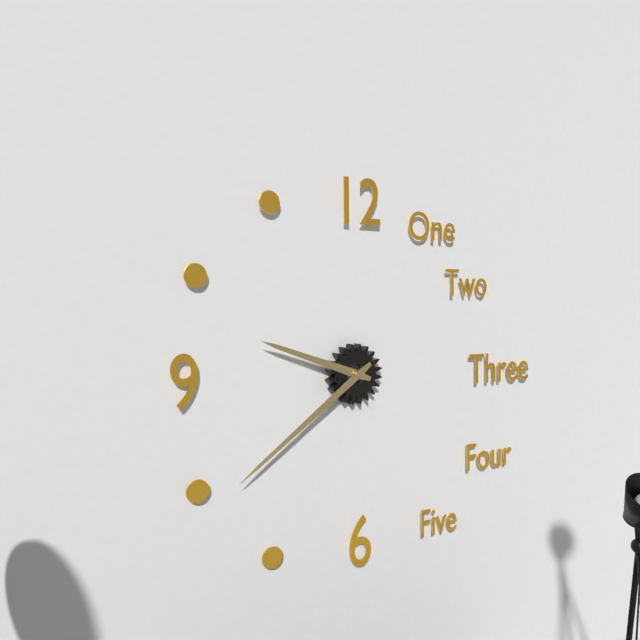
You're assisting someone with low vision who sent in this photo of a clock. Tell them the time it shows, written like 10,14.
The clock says 9,39
